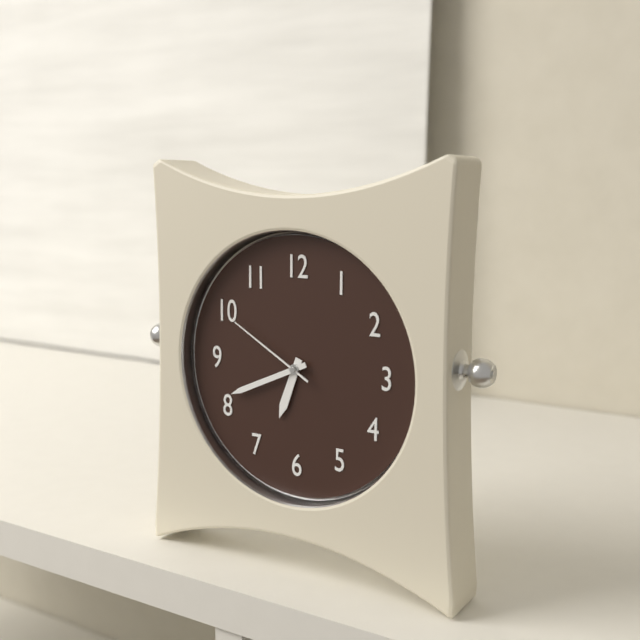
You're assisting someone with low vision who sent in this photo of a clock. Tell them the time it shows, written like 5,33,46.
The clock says 6,41,50
